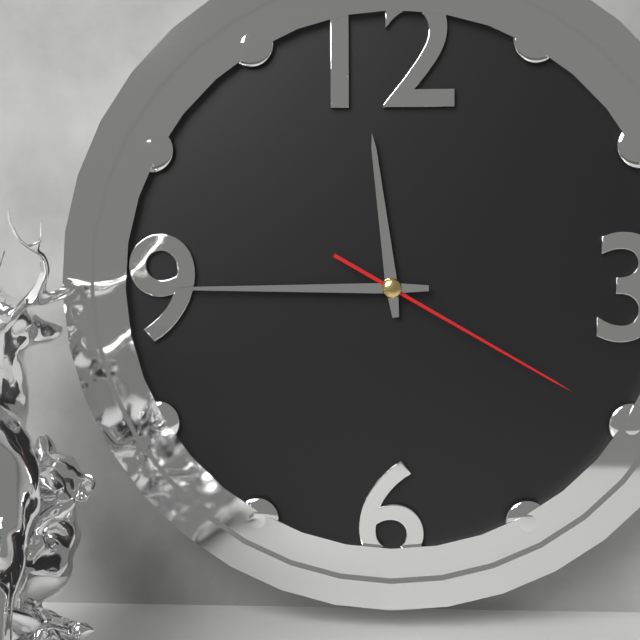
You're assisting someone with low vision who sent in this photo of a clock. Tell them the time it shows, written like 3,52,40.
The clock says 11,45,20
